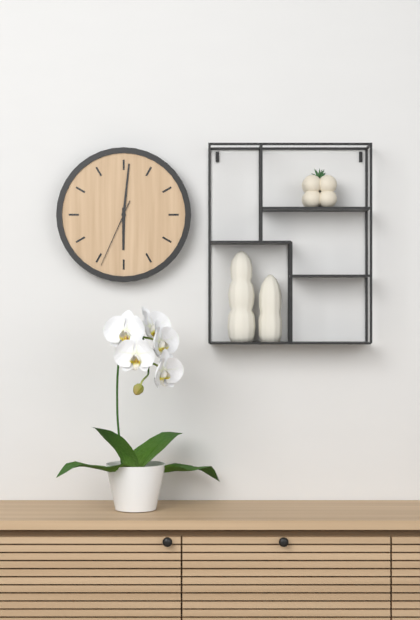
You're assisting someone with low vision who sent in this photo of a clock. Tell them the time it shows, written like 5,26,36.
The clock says 6,01,34
